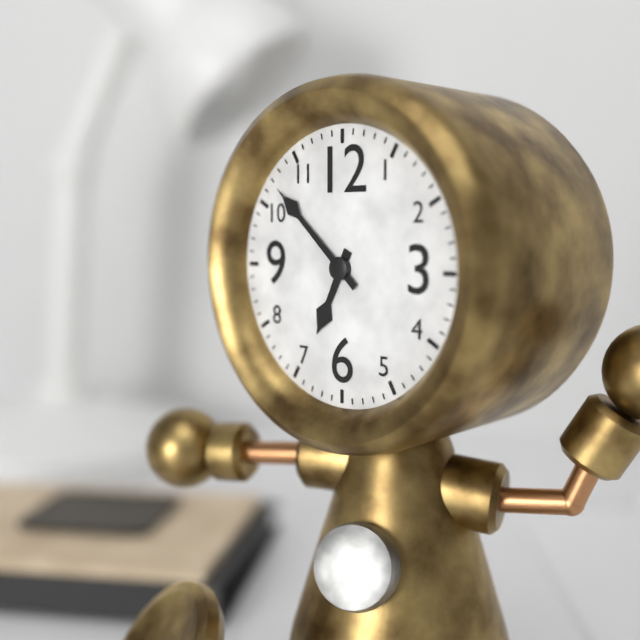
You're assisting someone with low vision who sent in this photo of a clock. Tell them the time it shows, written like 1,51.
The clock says 6,52
